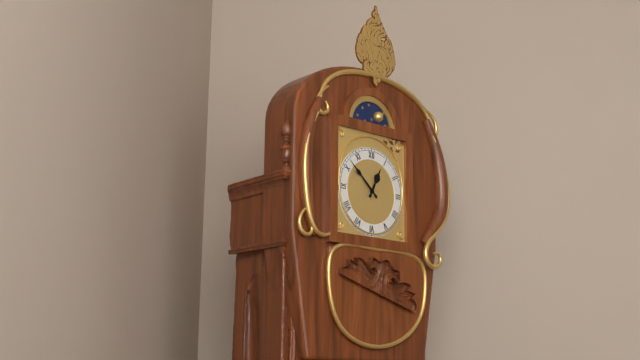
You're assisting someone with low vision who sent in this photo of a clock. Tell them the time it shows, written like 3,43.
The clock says 12,52
